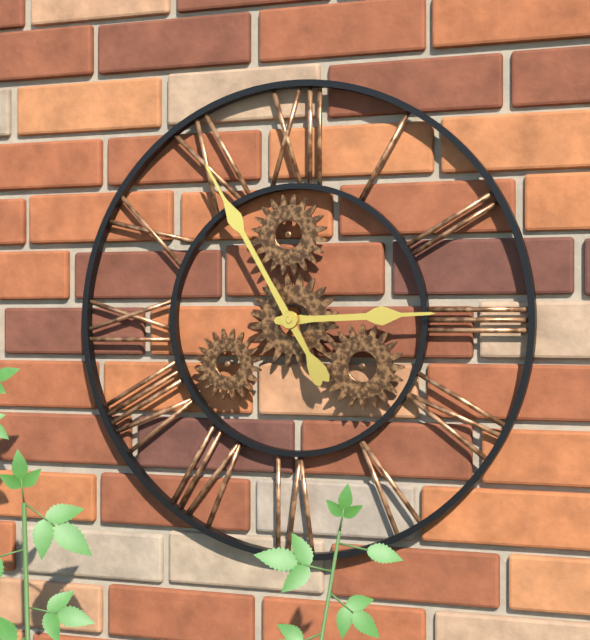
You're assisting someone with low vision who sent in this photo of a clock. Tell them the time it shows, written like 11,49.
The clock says 2,55
